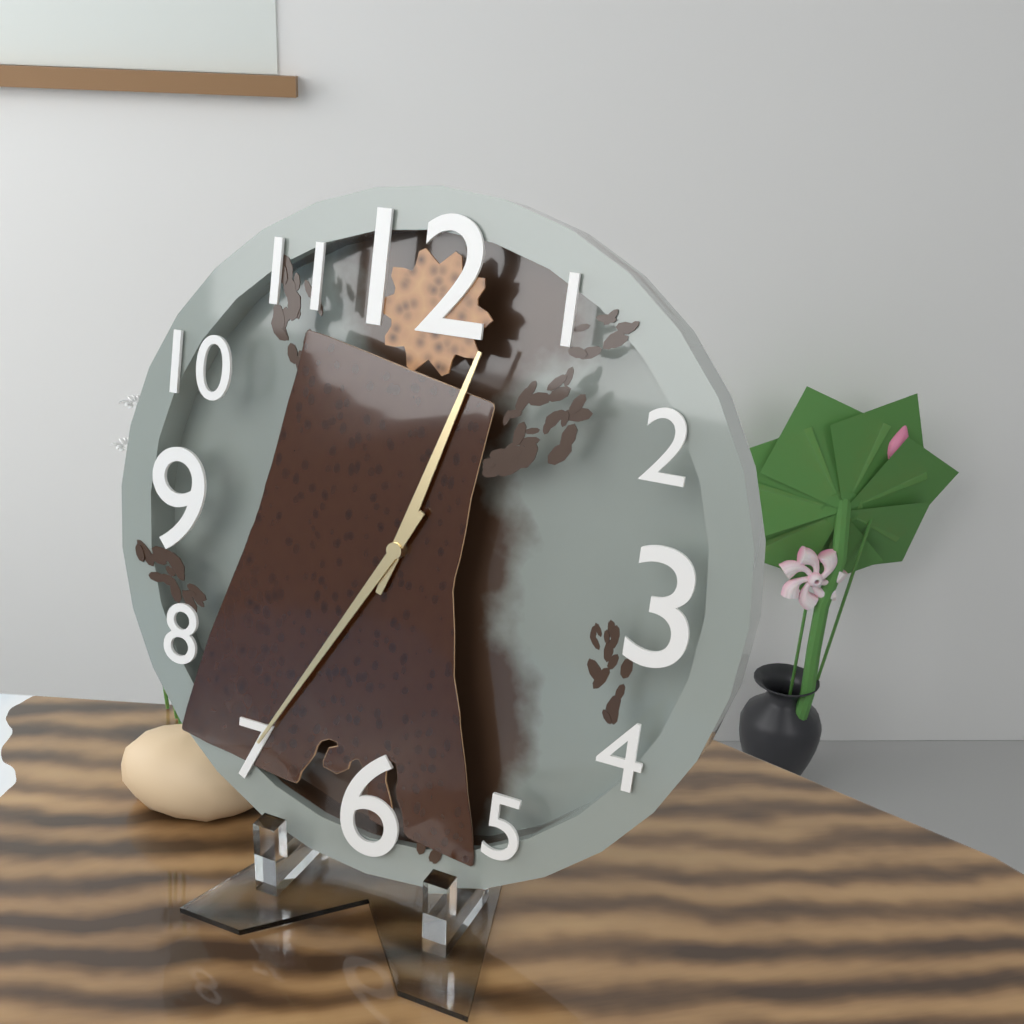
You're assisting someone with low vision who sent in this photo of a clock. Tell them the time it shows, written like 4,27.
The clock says 12,35
